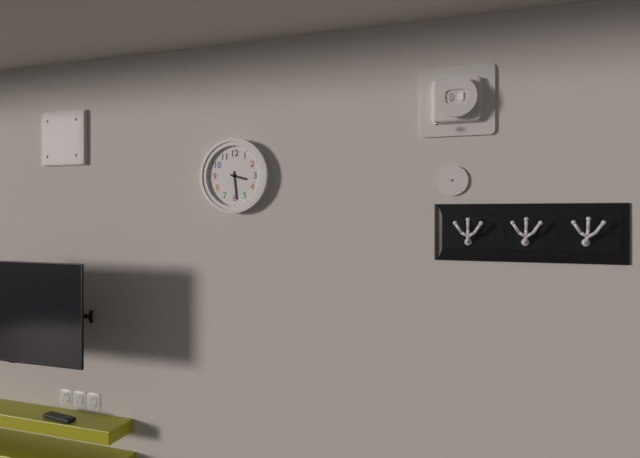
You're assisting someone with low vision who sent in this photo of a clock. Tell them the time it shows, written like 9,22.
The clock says 3,29
